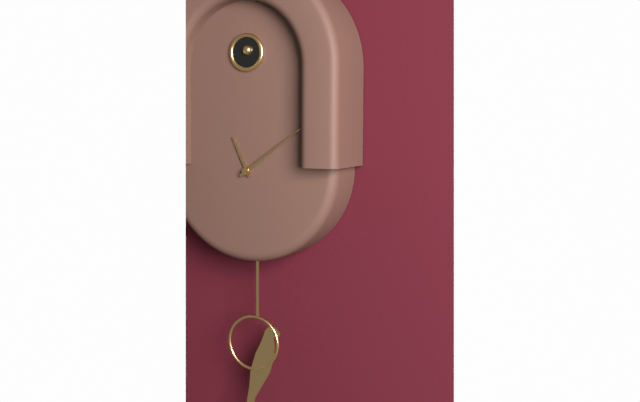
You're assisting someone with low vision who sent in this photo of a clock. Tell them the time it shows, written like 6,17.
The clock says 11,09
